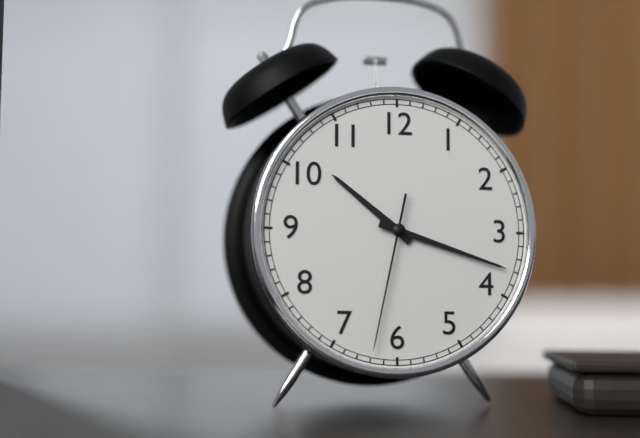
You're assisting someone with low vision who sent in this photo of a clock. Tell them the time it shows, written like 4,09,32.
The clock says 10,18,32
